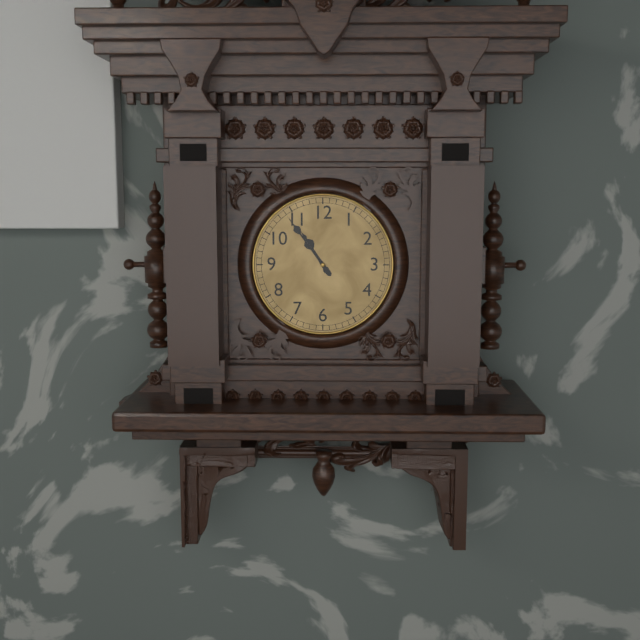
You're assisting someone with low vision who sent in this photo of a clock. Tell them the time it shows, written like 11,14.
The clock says 10,54
